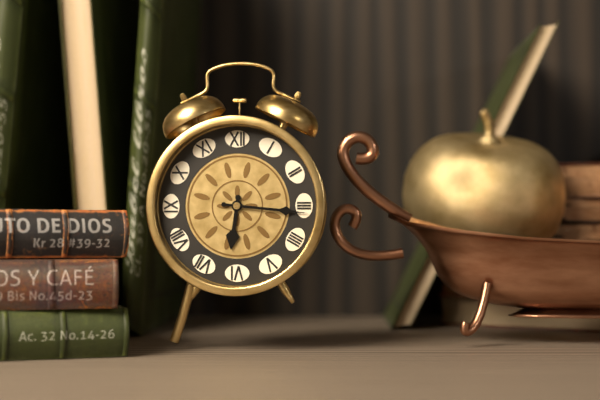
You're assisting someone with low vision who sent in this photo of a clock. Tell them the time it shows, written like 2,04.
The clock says 6,16
